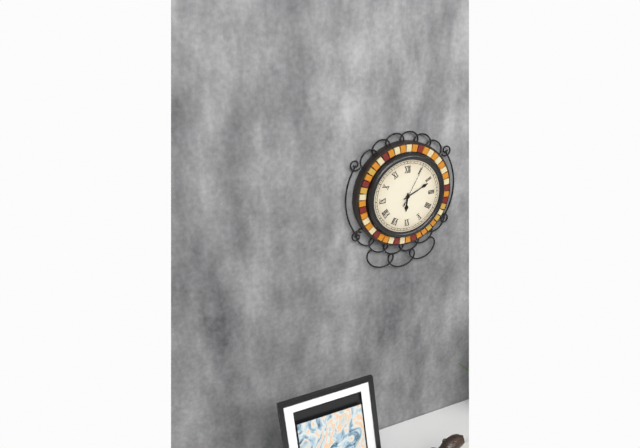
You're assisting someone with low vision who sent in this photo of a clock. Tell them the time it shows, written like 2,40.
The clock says 6,11
